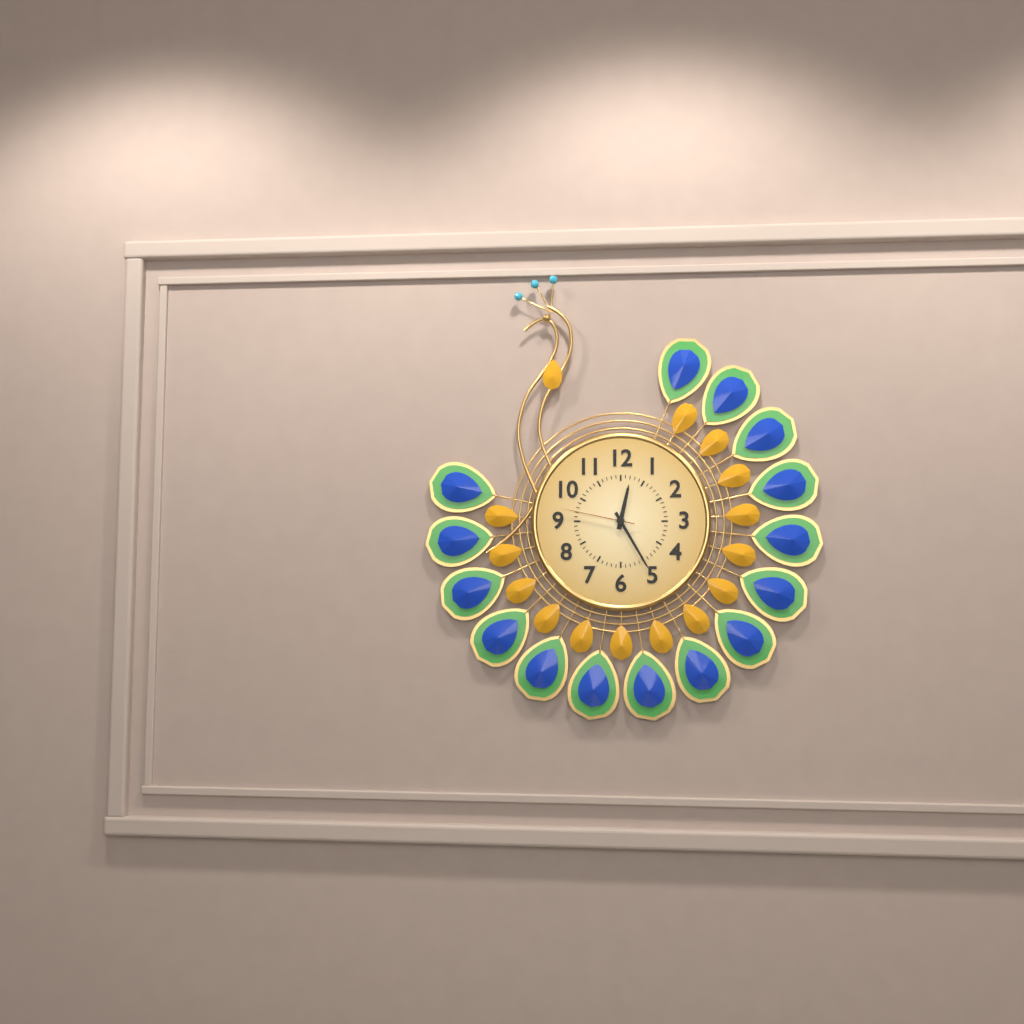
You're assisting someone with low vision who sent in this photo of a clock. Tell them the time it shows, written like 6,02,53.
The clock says 12,25,47
